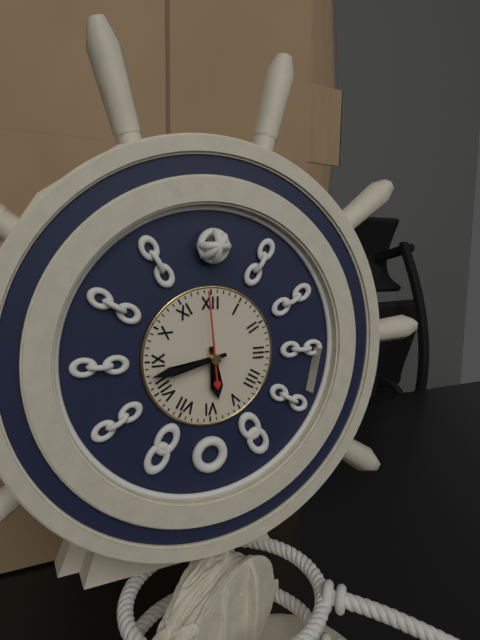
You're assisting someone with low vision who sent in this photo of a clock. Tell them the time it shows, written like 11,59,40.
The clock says 5,43,59
